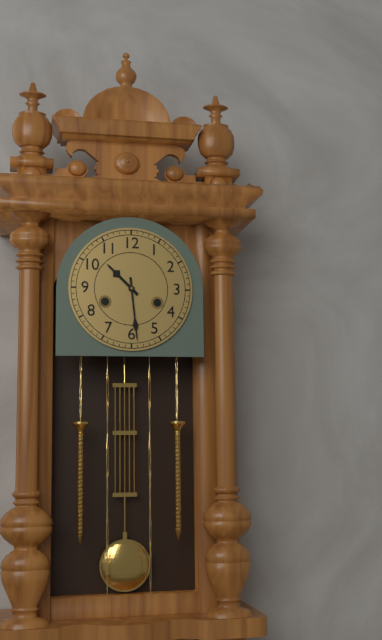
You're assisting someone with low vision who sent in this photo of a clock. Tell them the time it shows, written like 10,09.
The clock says 10,29
